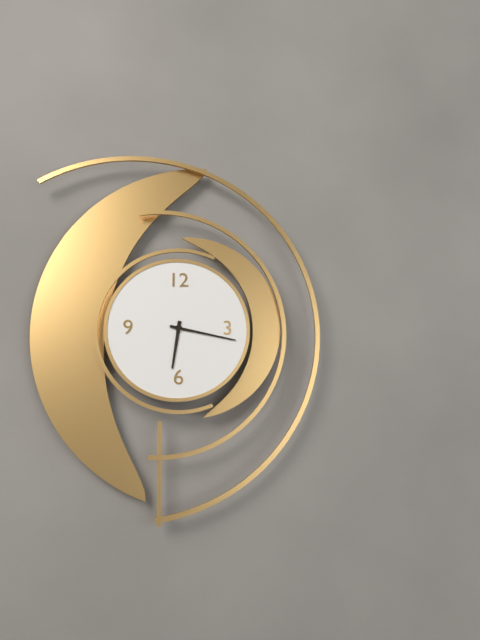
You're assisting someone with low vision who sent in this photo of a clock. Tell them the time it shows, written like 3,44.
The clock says 6,17
